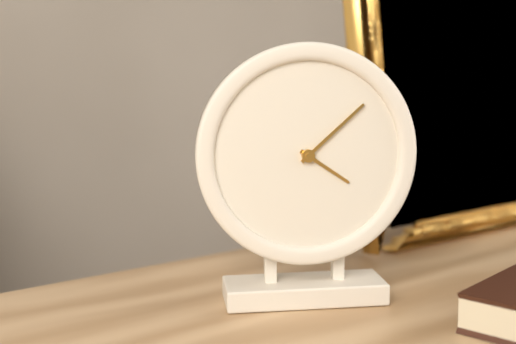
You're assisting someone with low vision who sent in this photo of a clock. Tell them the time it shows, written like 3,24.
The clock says 4,08
